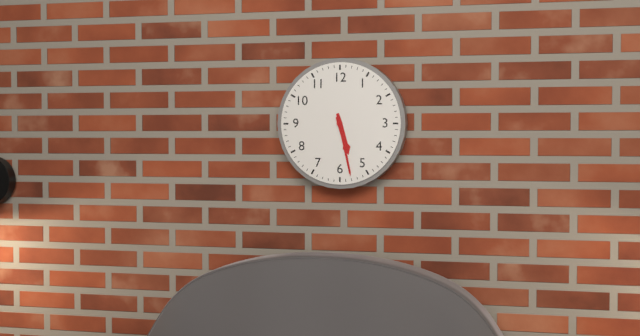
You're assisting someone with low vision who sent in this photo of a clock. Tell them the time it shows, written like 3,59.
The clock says 5,28
